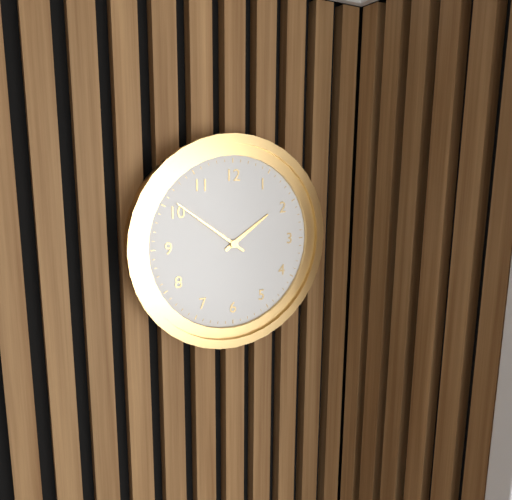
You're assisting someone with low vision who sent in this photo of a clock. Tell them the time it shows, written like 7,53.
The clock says 1,51
